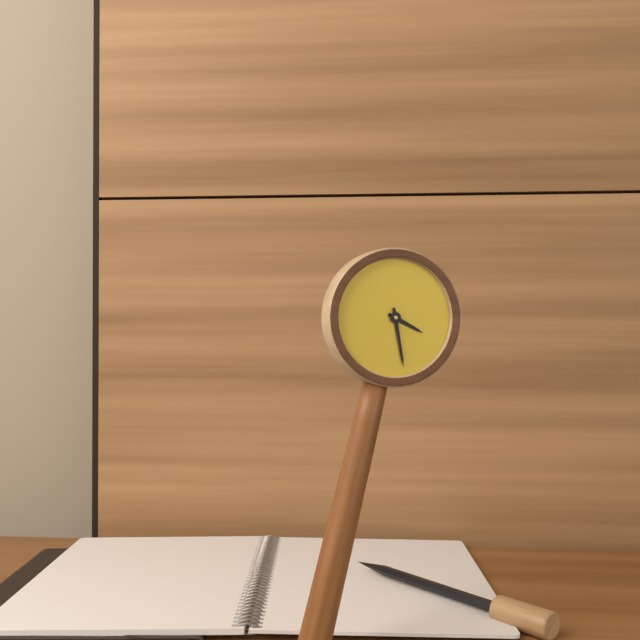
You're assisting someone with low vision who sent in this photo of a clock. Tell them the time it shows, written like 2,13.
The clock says 3,26
